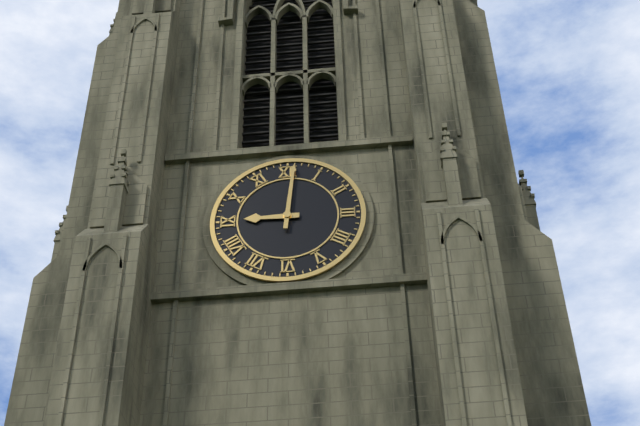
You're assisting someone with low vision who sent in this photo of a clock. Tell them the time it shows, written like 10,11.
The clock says 9,01
